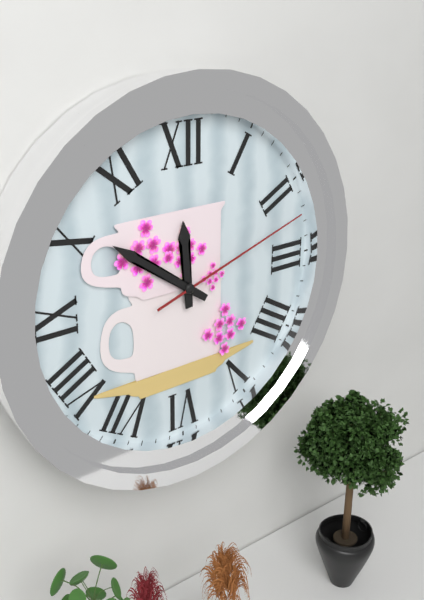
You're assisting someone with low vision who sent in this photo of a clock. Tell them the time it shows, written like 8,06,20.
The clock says 11,51,12
